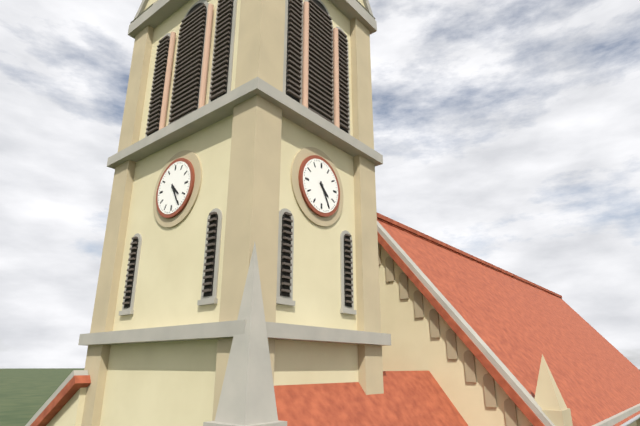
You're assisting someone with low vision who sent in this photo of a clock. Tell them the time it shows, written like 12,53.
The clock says 4,25
